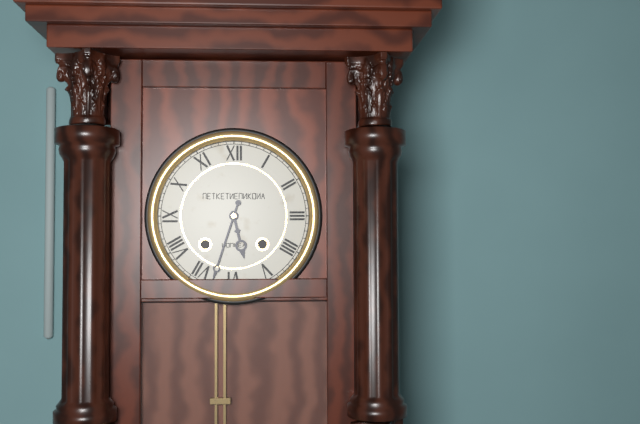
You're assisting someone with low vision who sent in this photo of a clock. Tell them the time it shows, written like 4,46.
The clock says 5,33
